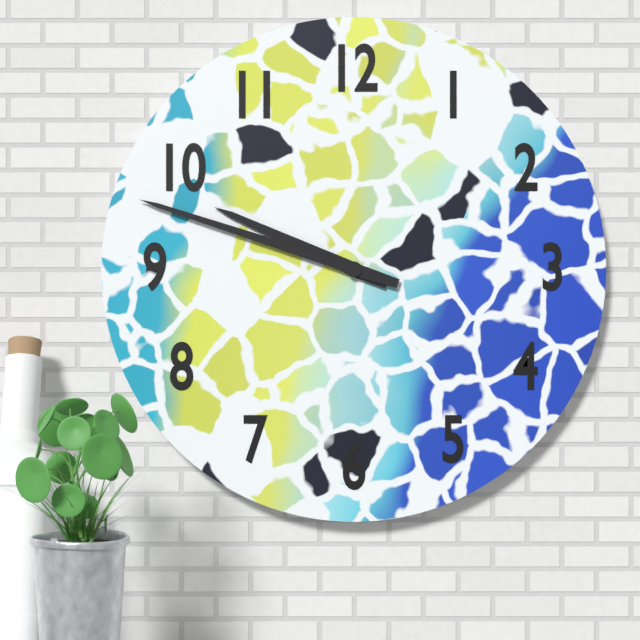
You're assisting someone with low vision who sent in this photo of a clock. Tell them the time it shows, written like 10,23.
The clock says 9,48
